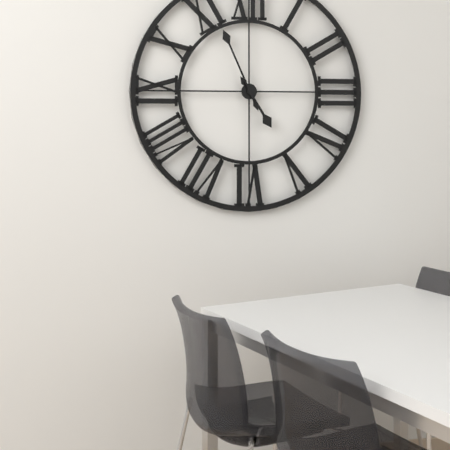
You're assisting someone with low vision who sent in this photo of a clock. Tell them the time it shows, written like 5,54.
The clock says 4,56
